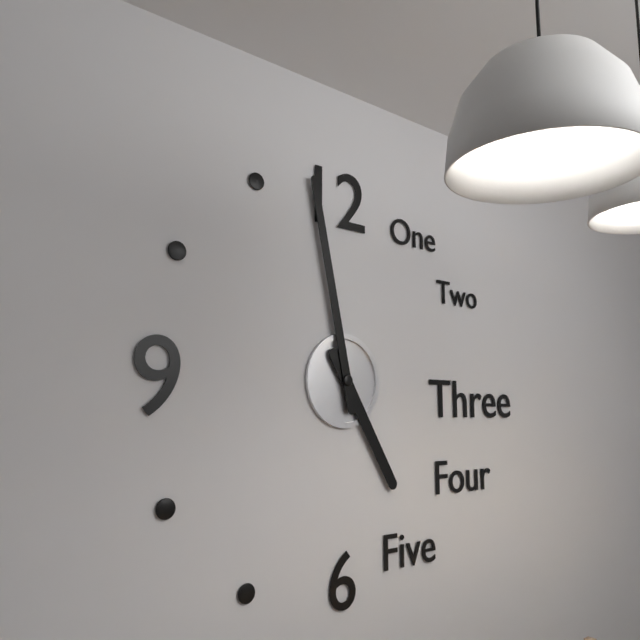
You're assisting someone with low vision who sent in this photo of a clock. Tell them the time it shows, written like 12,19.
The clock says 4,58
